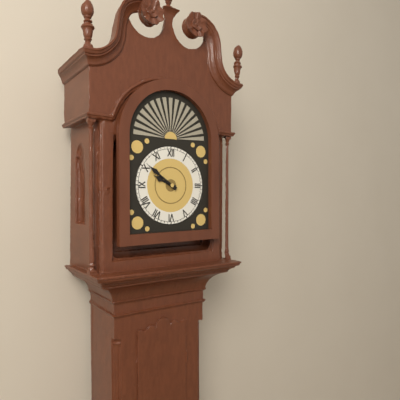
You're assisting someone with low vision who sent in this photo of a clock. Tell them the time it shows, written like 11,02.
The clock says 9,51
